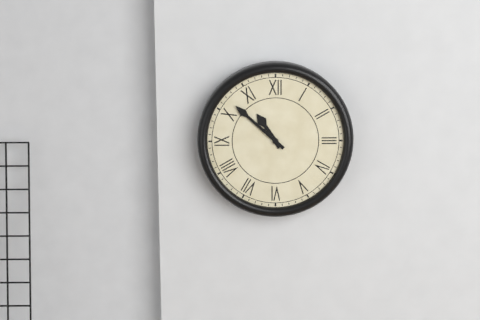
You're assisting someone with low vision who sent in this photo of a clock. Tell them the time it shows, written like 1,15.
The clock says 10,52
